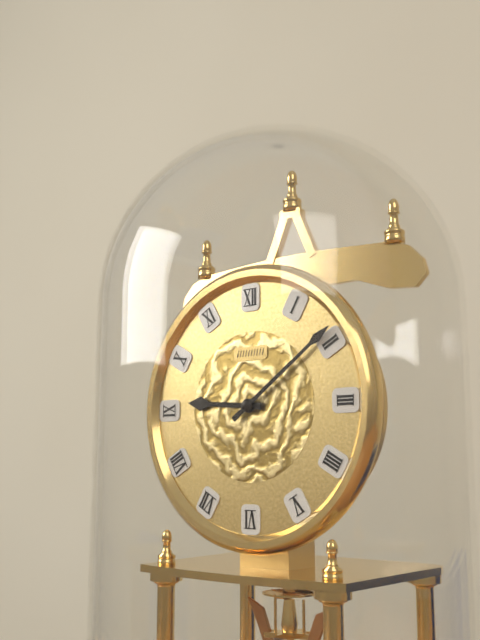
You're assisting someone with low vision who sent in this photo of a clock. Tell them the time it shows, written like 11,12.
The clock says 9,09
